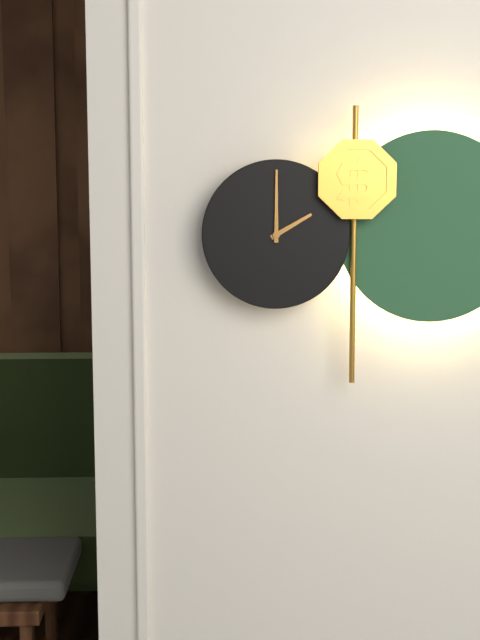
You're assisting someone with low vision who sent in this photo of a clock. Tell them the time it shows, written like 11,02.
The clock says 2,00
